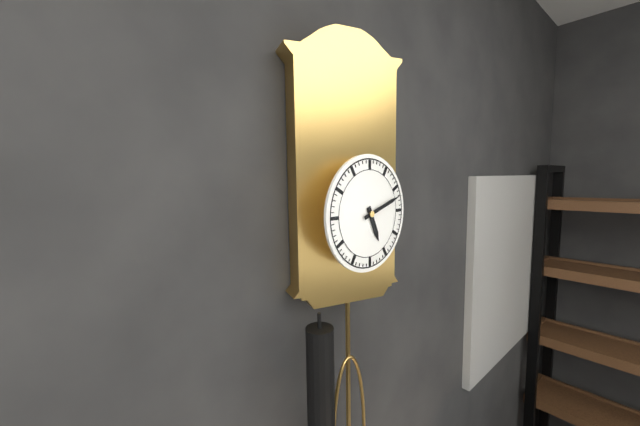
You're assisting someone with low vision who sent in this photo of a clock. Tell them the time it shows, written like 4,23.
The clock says 5,12
